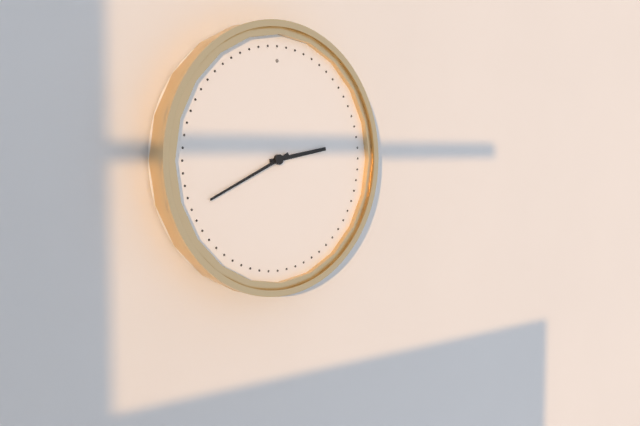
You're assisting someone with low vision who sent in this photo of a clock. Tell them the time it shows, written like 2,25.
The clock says 2,41
